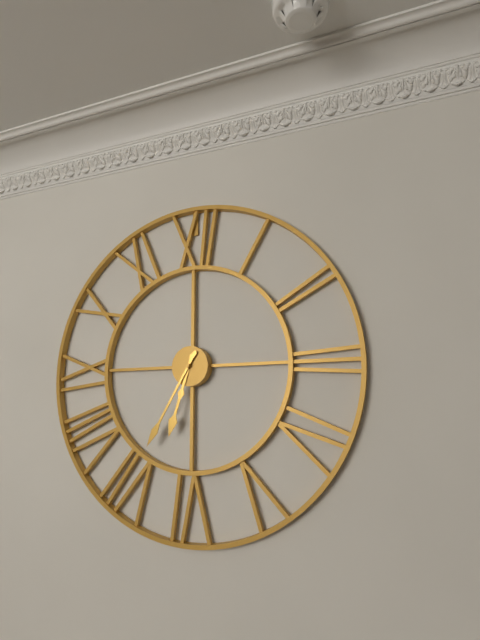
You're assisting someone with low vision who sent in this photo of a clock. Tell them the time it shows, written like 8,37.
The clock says 6,35
